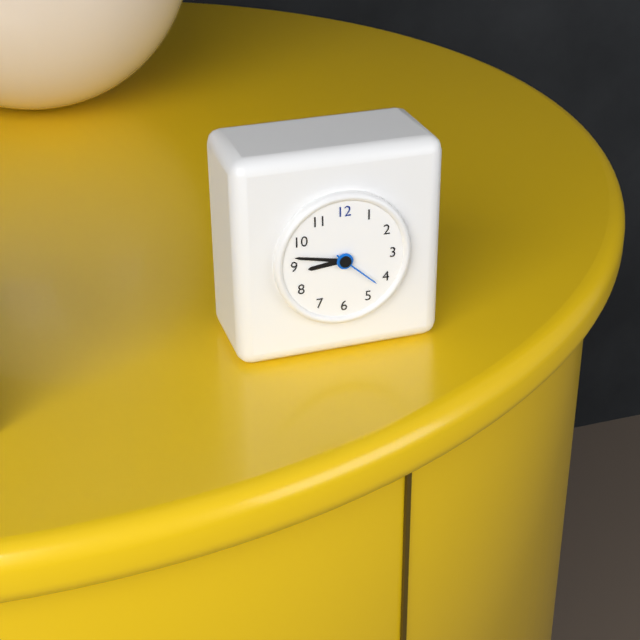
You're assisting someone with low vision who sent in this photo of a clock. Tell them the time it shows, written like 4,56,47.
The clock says 8,47,22
